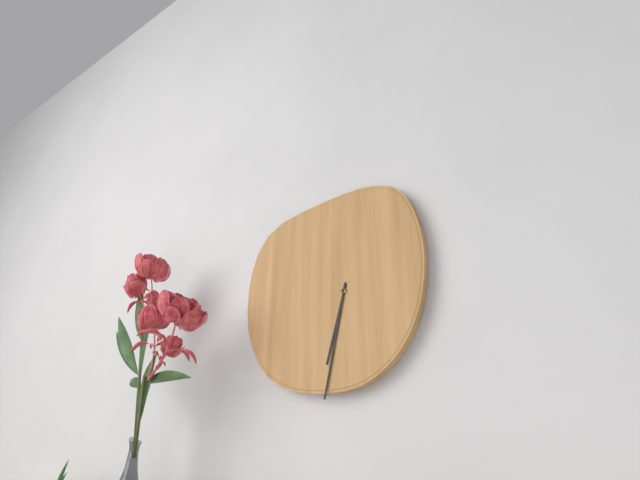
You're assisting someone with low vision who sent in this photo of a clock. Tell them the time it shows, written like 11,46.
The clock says 6,32
